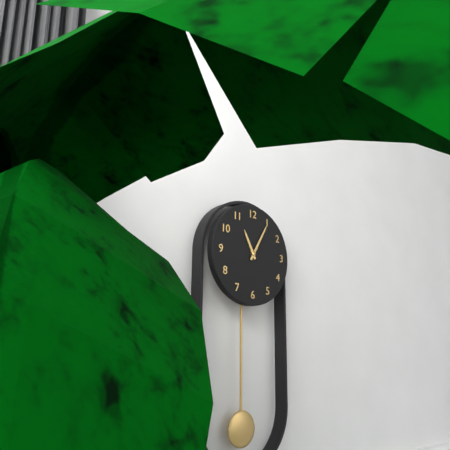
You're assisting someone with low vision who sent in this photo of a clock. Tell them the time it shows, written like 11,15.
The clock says 11,05
